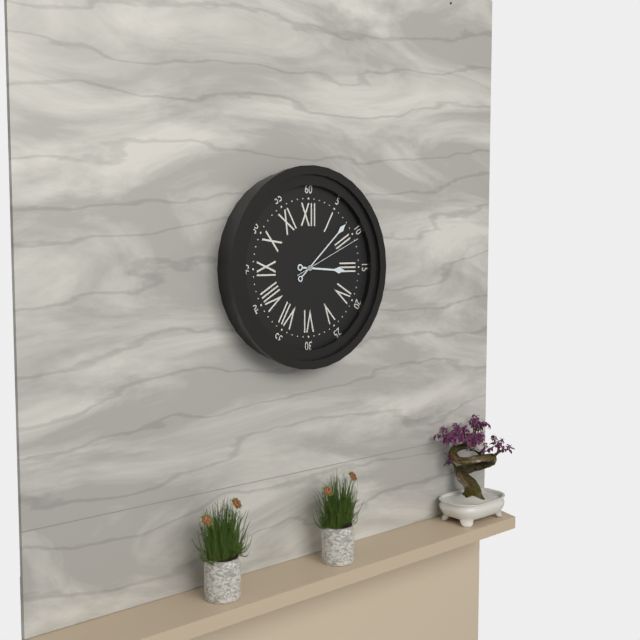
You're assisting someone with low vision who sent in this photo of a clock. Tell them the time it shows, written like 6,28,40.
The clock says 3,08,11
